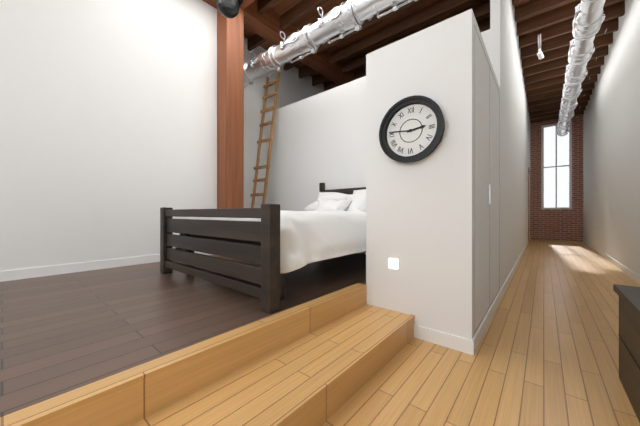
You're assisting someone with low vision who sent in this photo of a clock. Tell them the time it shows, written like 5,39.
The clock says 2,46
